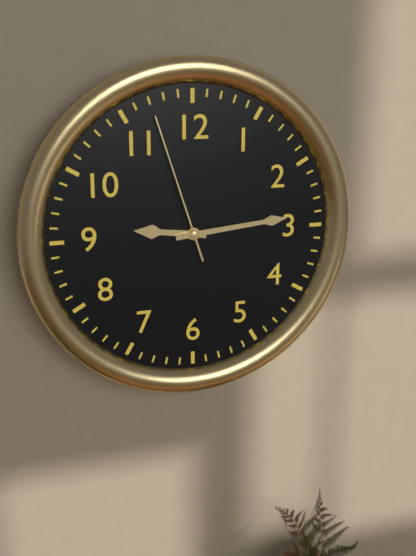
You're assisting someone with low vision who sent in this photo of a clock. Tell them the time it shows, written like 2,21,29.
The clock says 9,14,57
